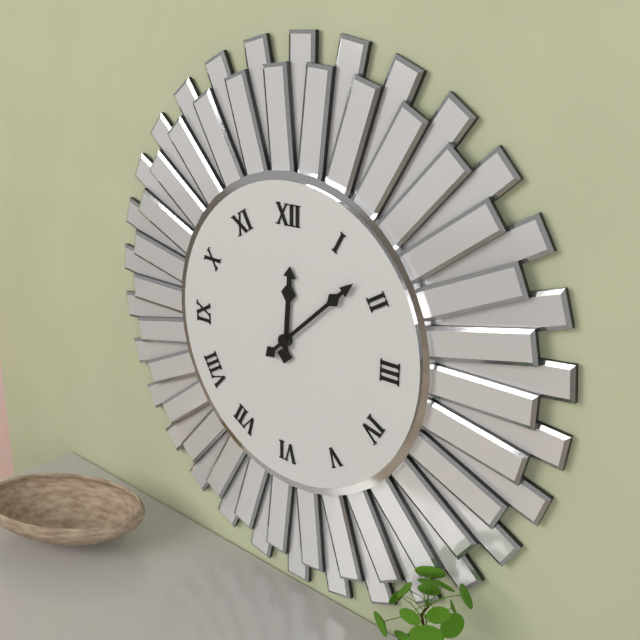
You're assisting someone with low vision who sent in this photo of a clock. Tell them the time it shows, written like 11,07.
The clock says 12,08
